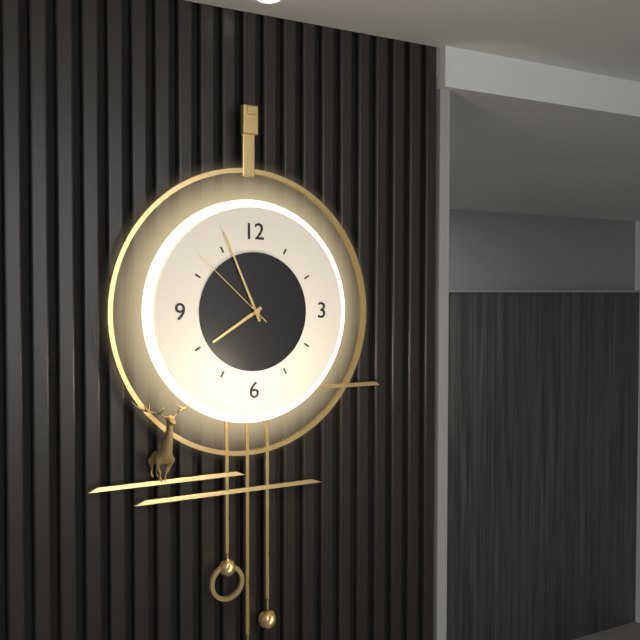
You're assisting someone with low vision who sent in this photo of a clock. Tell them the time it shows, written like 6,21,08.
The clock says 7,56,52
